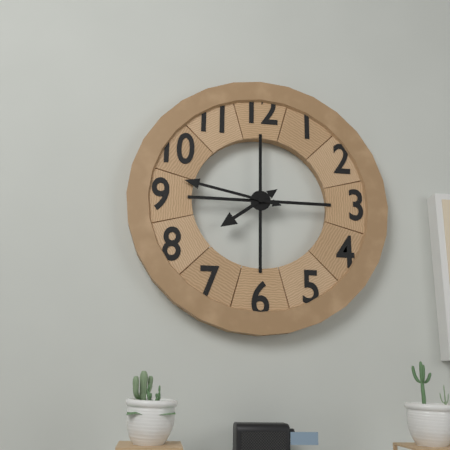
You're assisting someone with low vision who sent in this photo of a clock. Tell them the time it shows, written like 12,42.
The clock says 7,47
